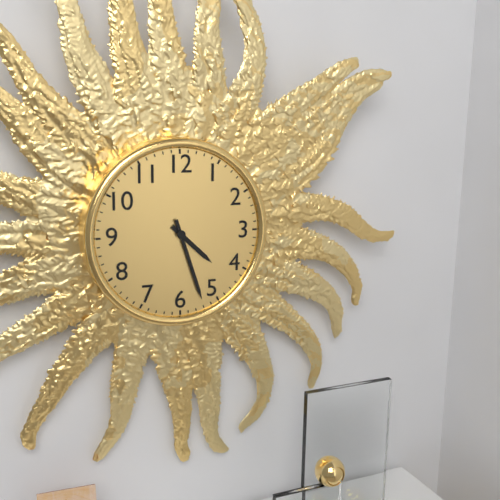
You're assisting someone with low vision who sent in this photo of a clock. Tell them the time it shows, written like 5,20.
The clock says 4,27
